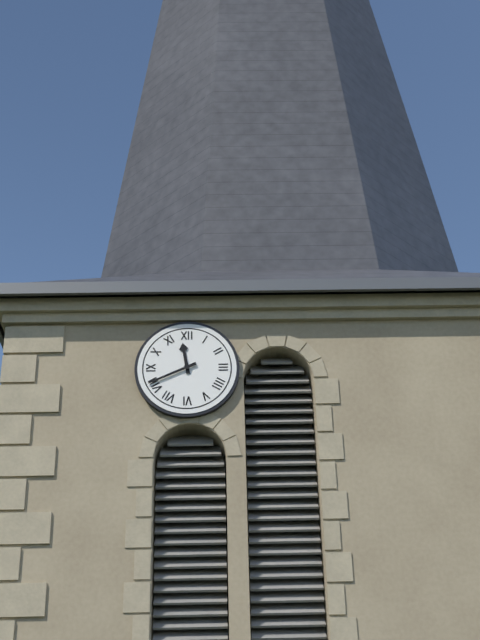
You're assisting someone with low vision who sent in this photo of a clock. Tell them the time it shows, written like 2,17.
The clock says 11,41
